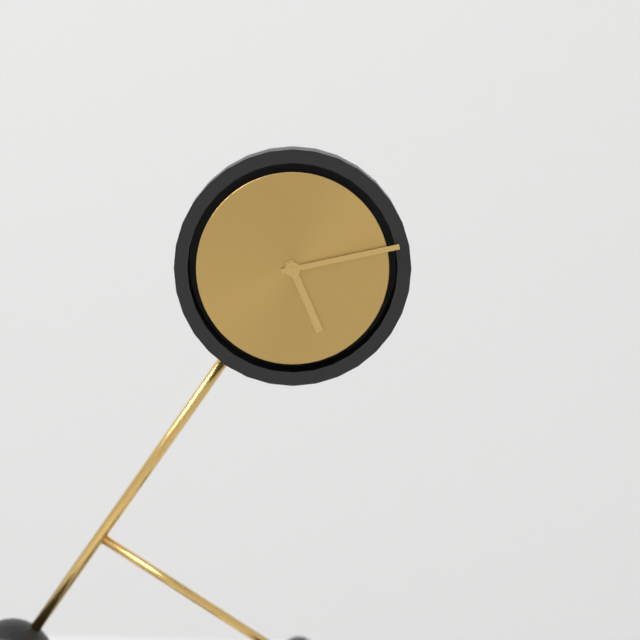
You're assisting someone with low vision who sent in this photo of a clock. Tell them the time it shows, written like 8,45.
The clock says 5,13
